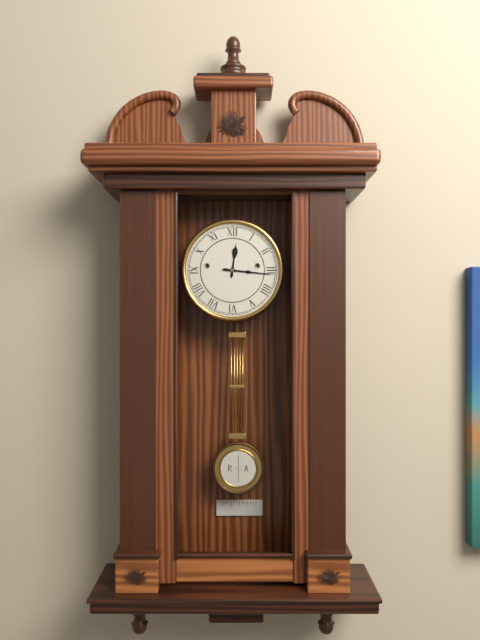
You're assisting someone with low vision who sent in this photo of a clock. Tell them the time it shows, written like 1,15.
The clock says 12,16
